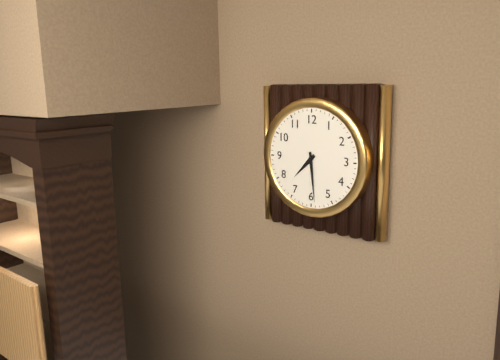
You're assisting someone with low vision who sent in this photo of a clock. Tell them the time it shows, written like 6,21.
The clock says 7,29
